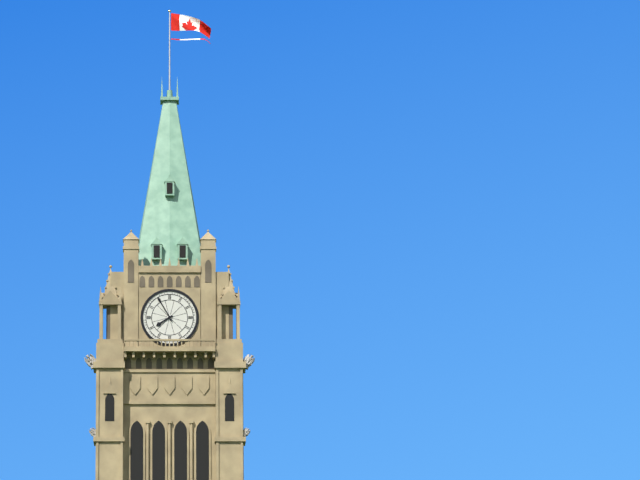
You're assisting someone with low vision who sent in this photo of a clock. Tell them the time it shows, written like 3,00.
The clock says 7,55
